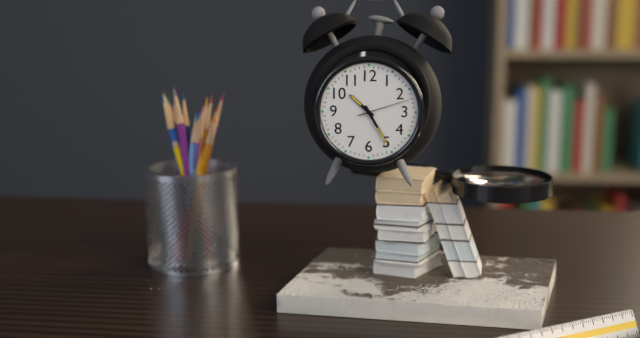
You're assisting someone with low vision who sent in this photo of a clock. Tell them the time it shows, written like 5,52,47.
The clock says 10,25,12
